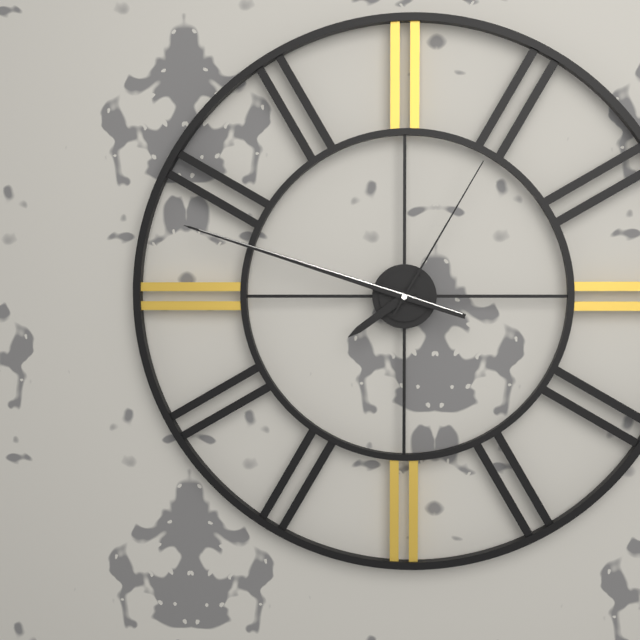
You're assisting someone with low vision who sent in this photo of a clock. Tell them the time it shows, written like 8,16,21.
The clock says 7,48,05
